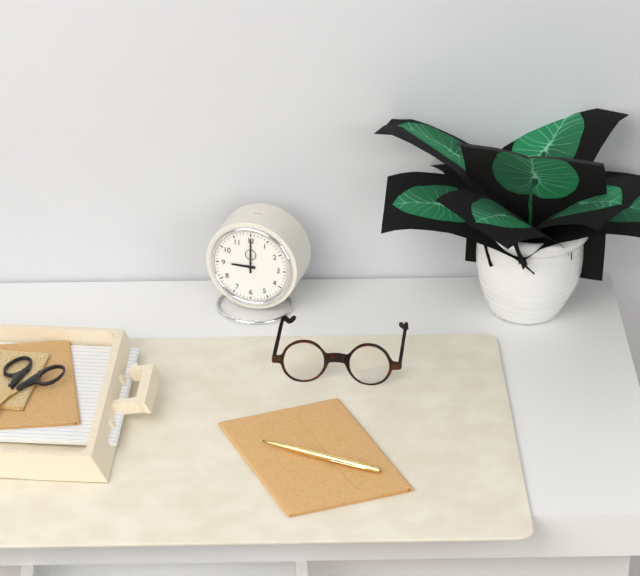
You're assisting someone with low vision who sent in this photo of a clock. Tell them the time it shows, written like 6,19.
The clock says 9,00
